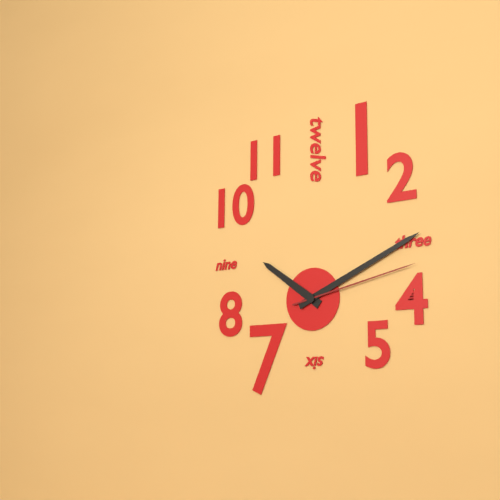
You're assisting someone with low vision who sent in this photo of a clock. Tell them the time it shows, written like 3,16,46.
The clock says 10,11,13
